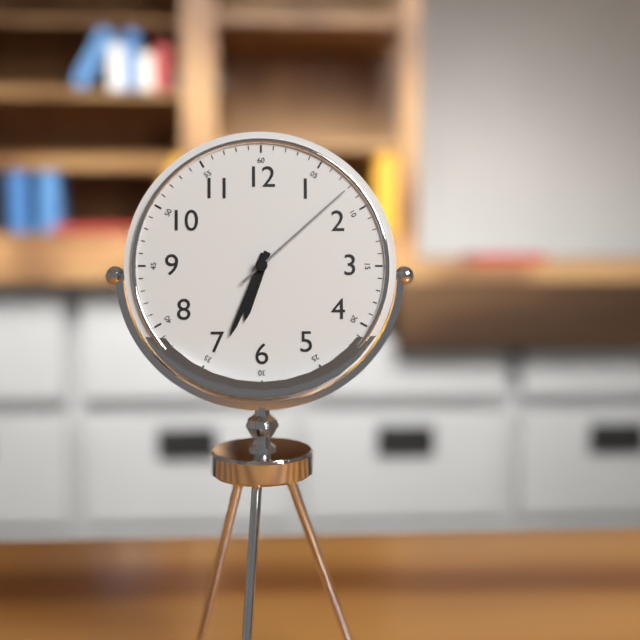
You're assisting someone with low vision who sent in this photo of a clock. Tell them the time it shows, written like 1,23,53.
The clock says 6,34,08
